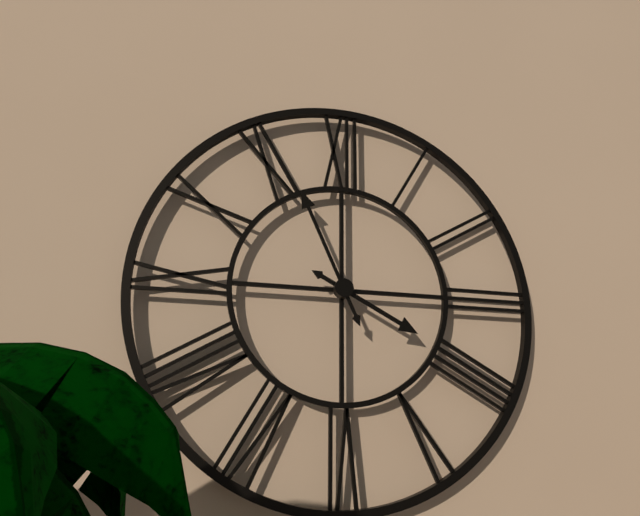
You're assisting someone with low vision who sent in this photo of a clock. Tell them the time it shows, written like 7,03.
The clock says 3,56
